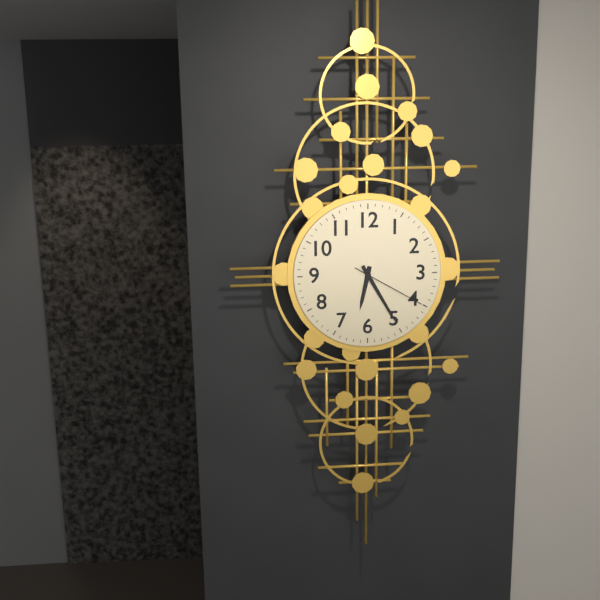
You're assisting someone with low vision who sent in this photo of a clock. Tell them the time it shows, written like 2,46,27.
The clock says 6,25,20
